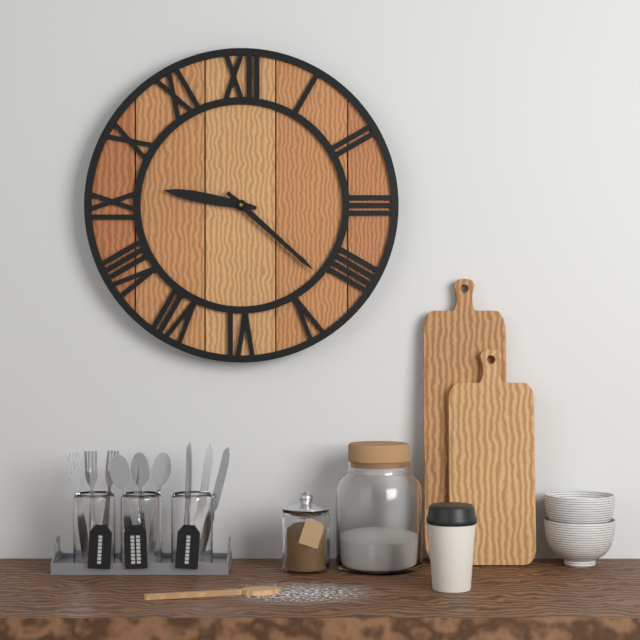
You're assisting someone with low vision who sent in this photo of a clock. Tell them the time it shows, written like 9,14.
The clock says 9,22
